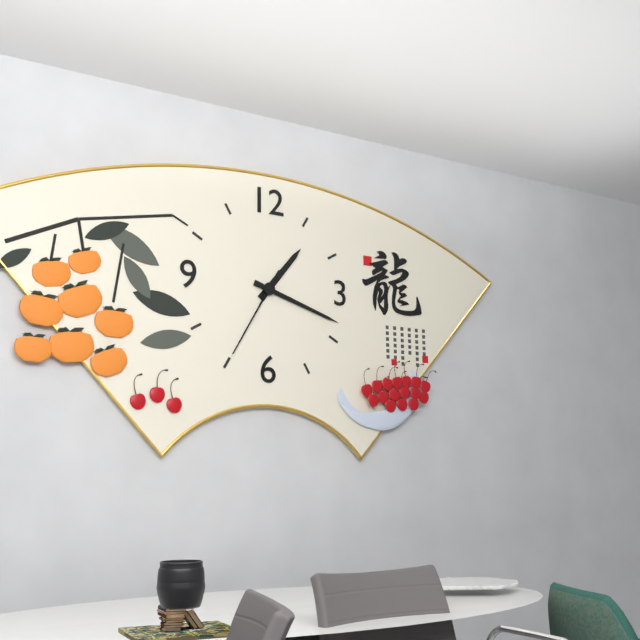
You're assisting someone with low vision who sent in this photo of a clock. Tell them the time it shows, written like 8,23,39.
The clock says 1,18,35
